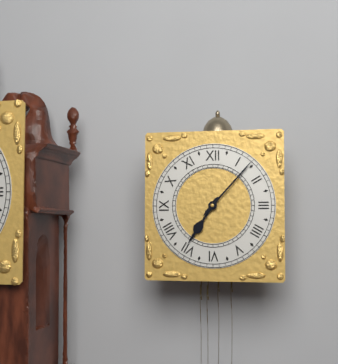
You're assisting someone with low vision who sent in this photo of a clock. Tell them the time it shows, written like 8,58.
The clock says 7,07
